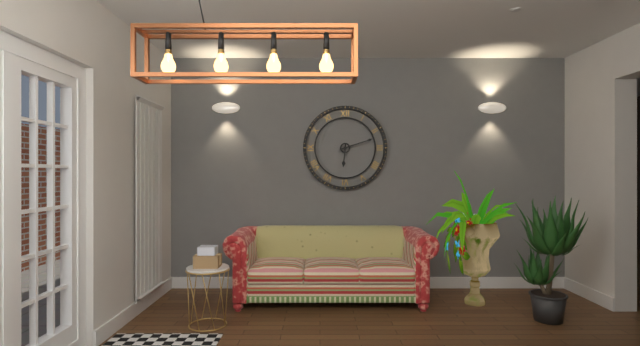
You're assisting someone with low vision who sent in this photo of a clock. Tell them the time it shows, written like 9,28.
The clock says 6,12
